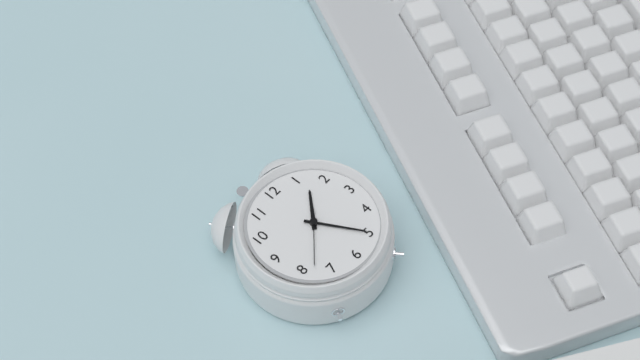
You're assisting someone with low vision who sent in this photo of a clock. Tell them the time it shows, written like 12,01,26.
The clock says 1,25,38
